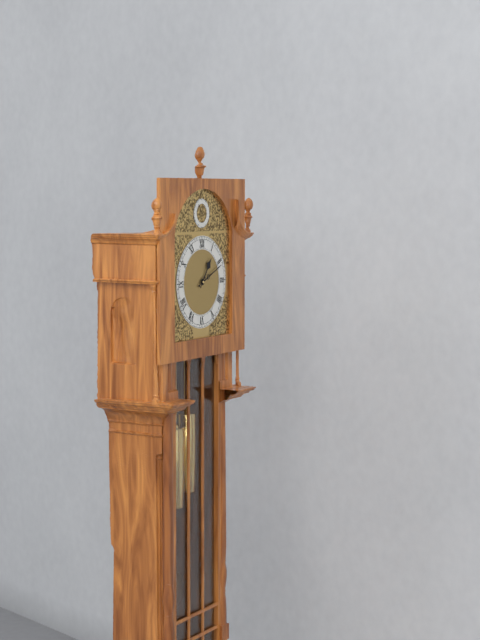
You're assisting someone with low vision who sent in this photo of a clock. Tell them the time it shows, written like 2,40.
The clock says 1,11
